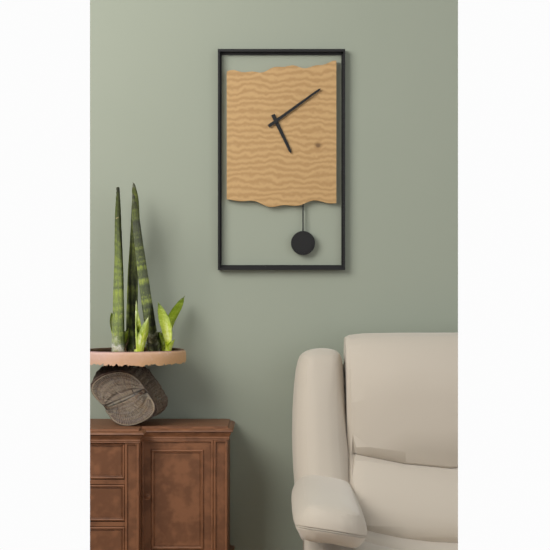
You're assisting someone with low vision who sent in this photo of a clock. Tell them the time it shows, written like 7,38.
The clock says 5,09
